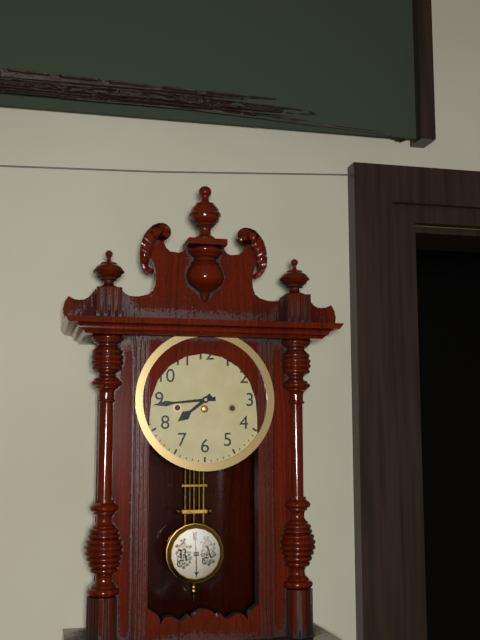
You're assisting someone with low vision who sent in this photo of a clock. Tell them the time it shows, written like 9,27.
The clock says 7,44
